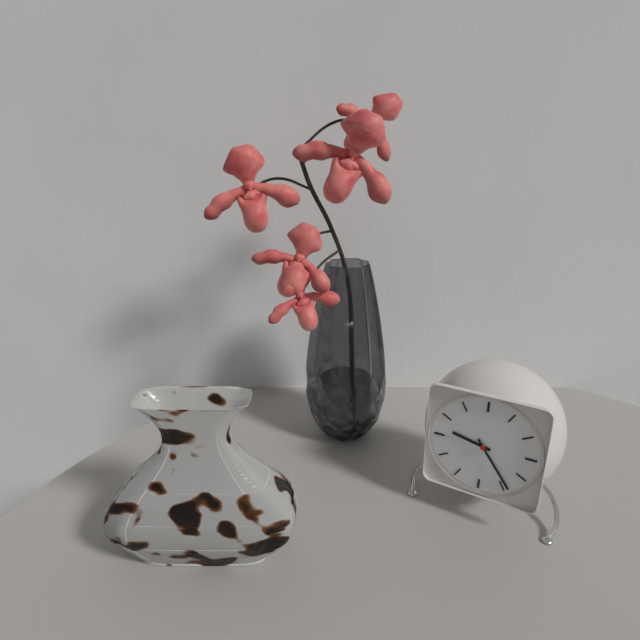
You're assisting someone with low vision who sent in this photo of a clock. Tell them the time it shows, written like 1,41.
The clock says 9,24
